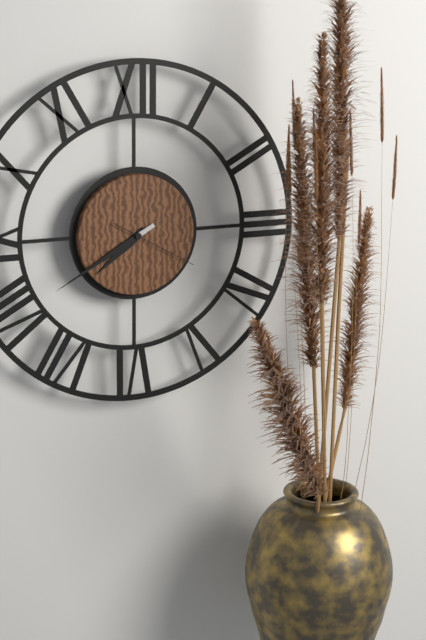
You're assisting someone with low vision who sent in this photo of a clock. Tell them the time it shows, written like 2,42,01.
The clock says 7,40,20
